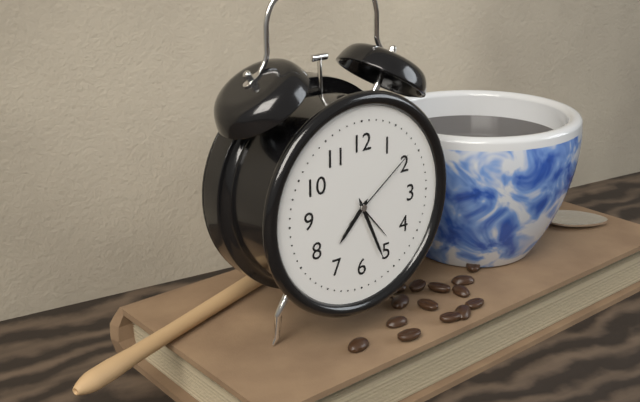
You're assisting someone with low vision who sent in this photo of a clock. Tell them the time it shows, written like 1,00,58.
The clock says 7,26,09
